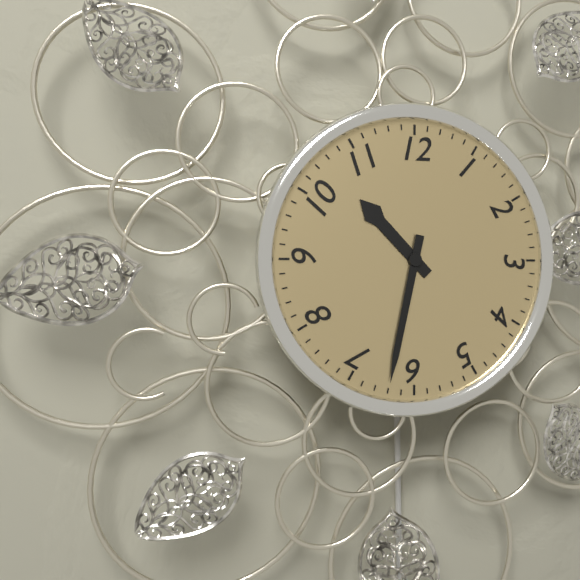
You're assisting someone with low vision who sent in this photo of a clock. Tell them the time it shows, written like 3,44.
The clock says 10,32
